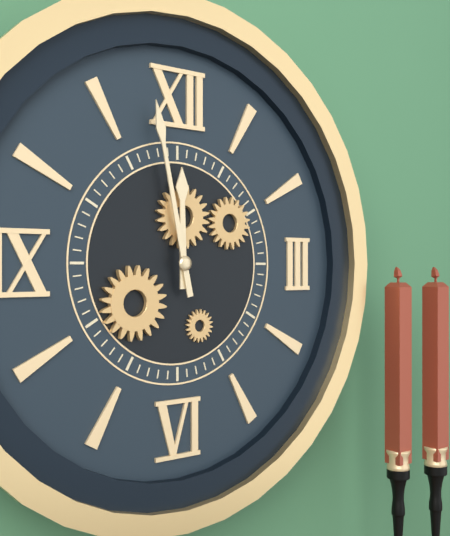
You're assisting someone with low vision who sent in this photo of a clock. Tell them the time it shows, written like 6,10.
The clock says 11,58
